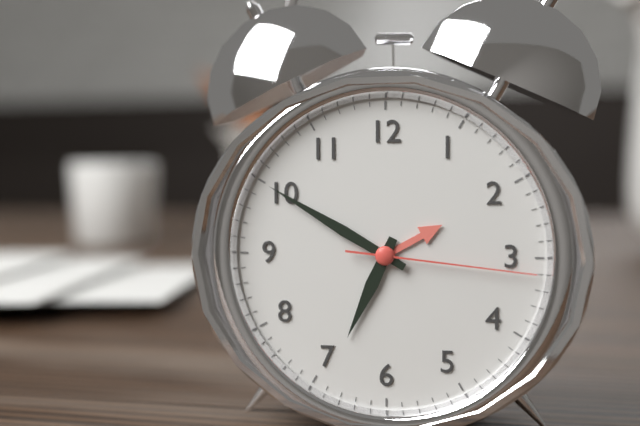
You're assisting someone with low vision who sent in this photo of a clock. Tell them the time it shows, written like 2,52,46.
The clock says 6,50,16
